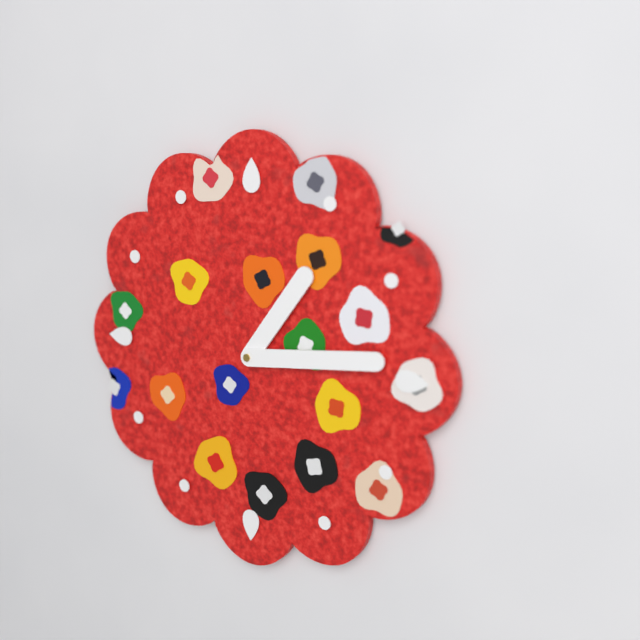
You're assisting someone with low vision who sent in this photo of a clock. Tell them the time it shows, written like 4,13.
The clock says 1,14
